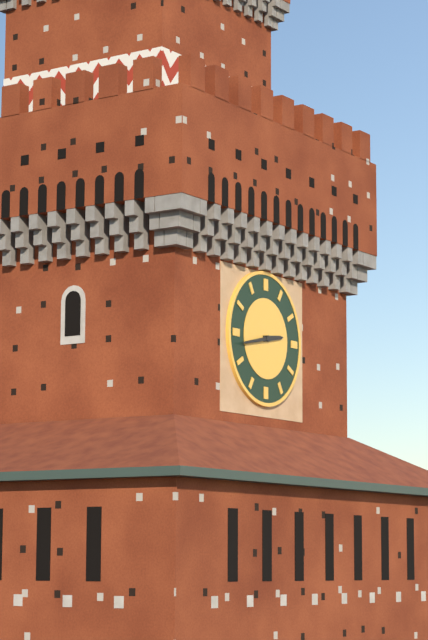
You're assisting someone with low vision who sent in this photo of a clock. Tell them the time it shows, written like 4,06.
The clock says 2,43
